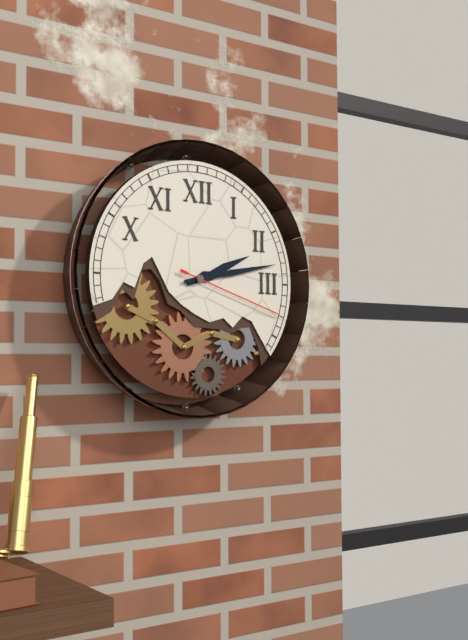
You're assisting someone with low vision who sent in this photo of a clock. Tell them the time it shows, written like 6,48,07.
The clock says 2,13,18
